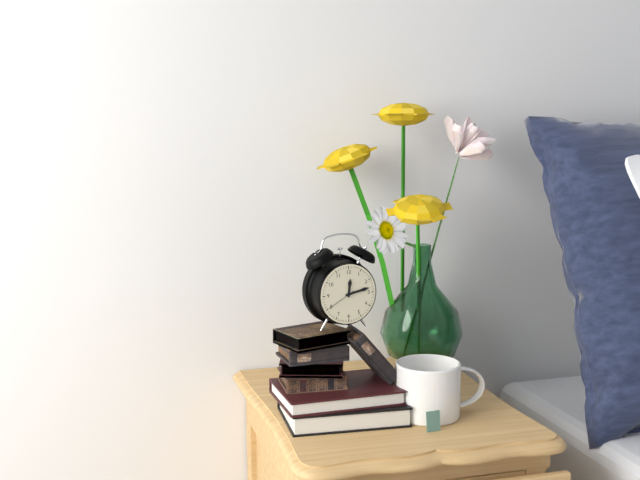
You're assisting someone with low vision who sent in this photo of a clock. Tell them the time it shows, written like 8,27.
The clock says 12,13
